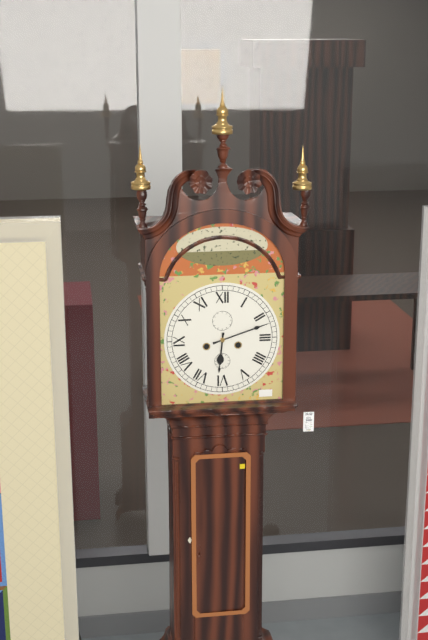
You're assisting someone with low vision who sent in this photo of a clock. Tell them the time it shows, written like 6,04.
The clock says 6,12
